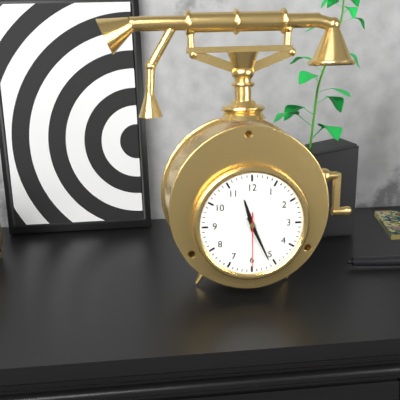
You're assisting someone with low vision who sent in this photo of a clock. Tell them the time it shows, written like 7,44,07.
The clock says 11,26,30
